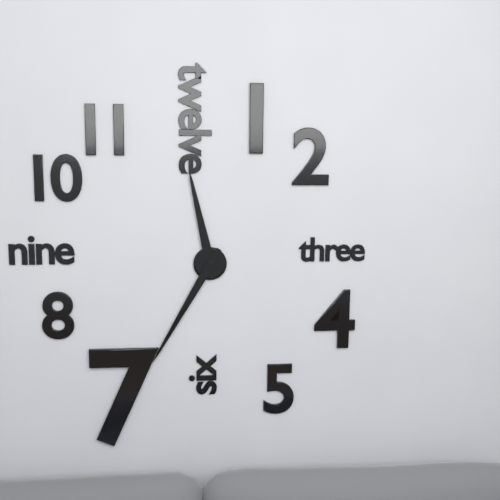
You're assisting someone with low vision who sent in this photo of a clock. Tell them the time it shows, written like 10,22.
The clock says 11,35
